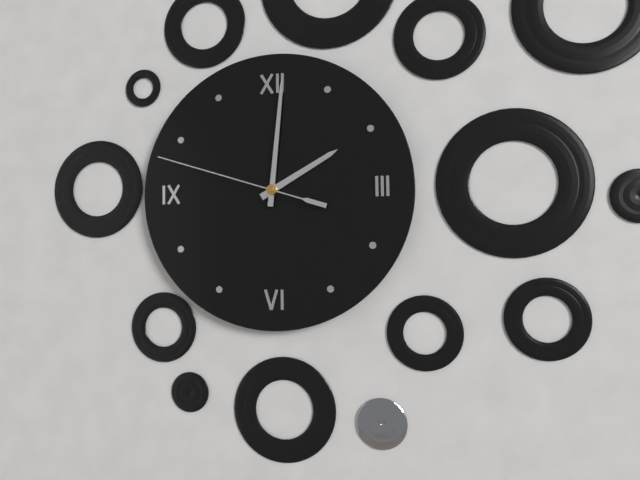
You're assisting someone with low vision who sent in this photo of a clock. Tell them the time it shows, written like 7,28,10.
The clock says 2,01,48
